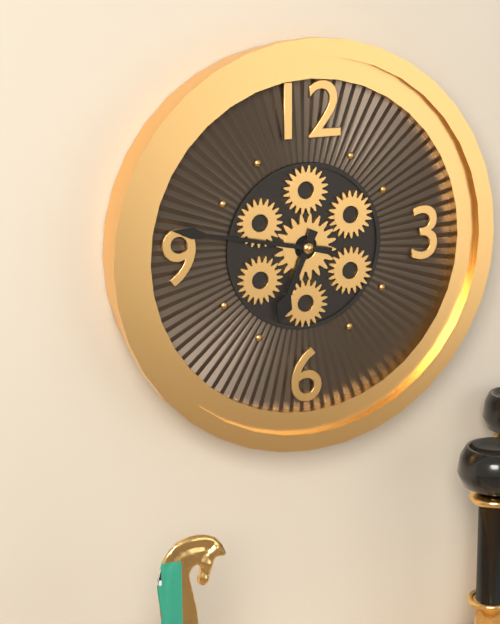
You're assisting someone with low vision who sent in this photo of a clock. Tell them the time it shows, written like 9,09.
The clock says 6,47
